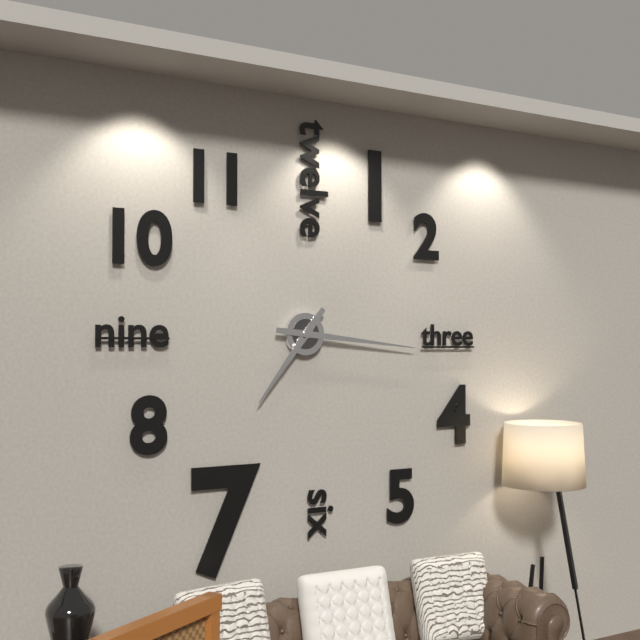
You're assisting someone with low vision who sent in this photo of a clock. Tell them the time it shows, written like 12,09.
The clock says 7,16
